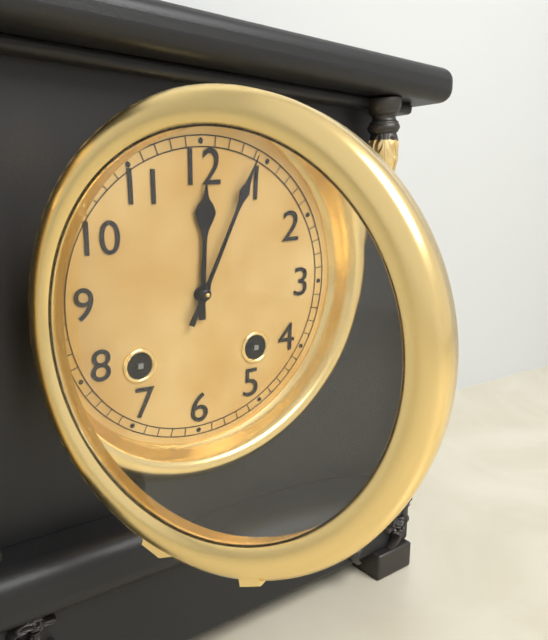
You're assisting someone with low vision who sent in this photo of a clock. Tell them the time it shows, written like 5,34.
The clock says 12,04
